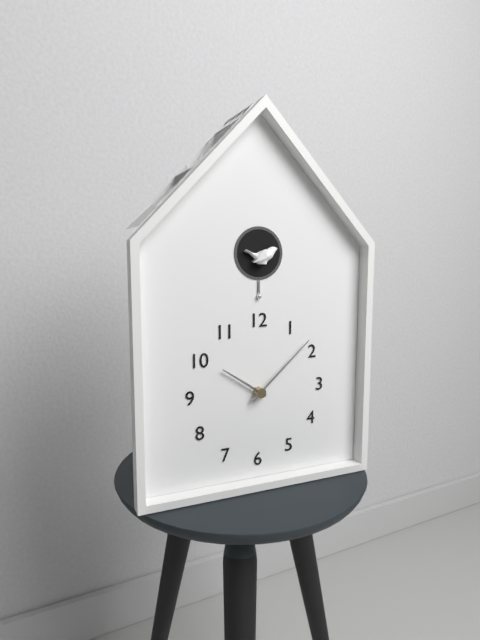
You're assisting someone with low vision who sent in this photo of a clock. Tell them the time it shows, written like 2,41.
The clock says 10,08
